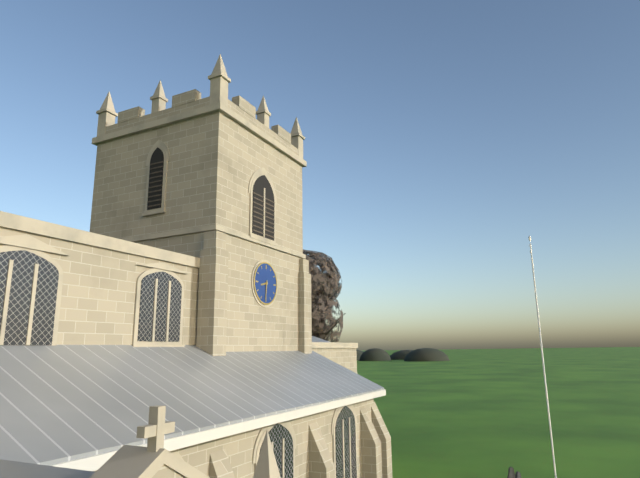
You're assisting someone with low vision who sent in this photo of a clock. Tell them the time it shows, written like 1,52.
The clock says 8,31
